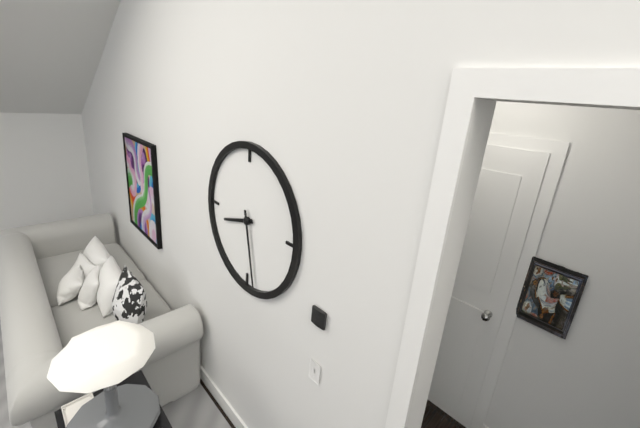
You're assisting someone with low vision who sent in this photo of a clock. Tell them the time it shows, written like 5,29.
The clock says 8,28
